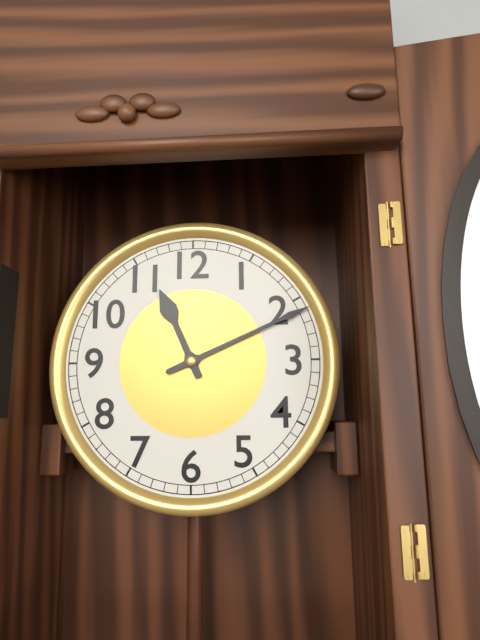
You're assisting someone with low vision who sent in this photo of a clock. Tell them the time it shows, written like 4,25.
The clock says 11,11
